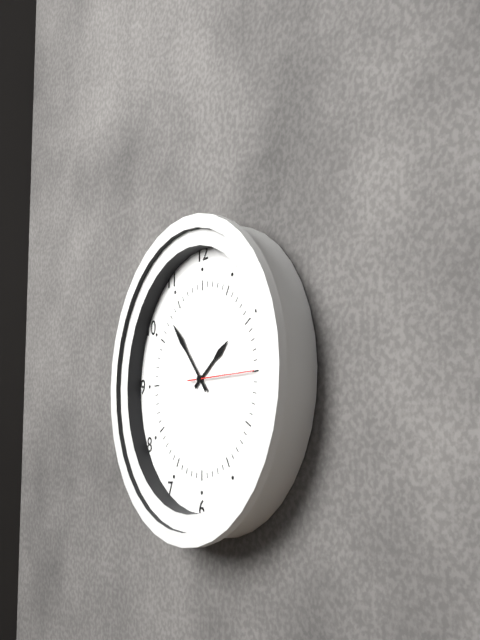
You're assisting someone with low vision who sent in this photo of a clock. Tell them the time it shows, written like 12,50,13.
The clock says 1,53,15
